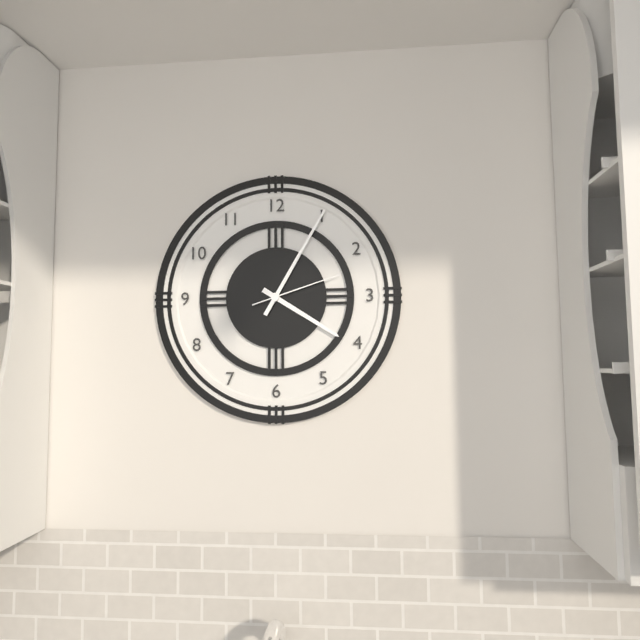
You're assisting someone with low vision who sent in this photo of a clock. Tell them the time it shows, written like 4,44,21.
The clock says 4,05,12
